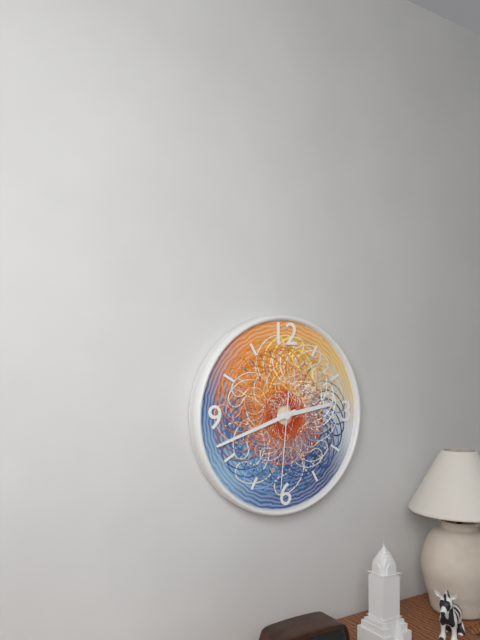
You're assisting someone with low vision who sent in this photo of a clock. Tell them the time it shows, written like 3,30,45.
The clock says 2,42,31
